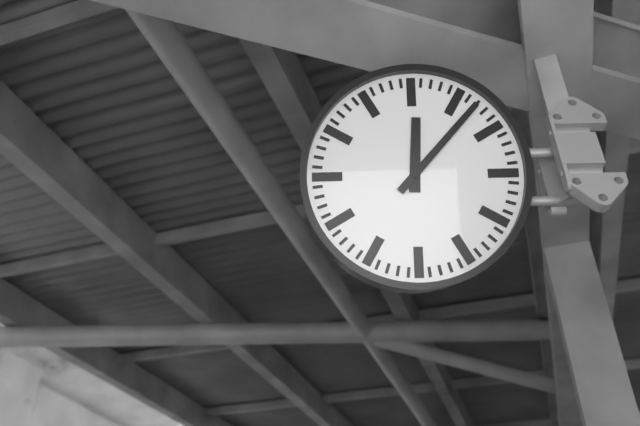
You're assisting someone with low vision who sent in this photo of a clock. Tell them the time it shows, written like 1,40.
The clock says 12,07
